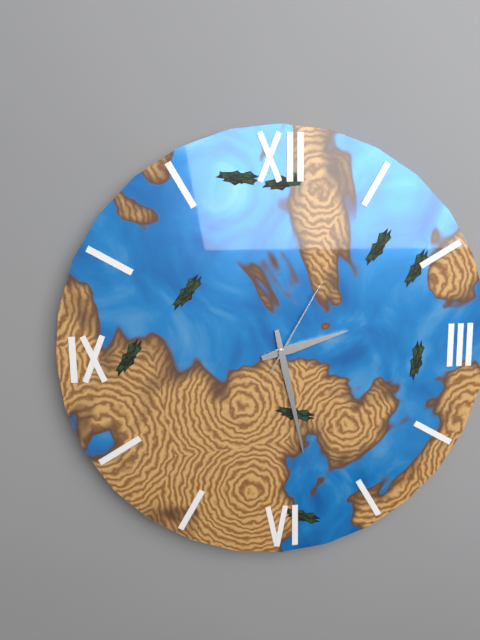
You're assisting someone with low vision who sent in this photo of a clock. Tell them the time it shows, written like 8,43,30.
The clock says 2,28,05
